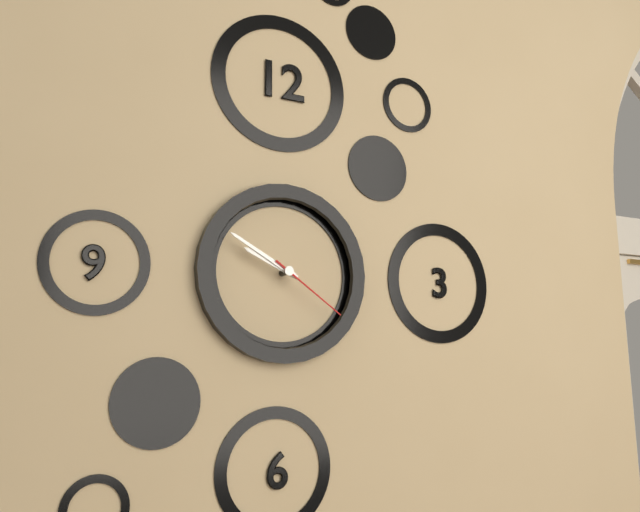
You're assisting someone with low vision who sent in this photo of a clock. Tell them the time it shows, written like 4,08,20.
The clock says 9,50,21
